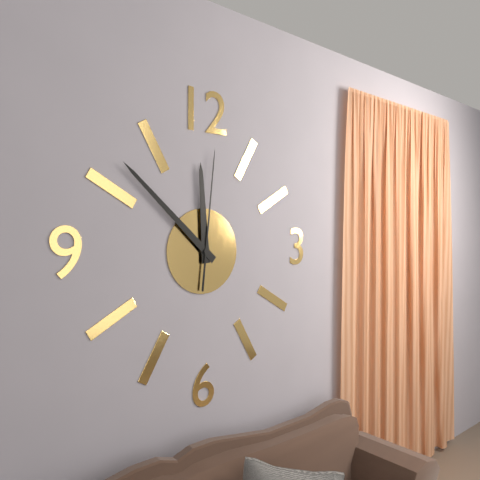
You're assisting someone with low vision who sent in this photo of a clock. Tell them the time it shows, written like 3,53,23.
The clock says 11,52,01
